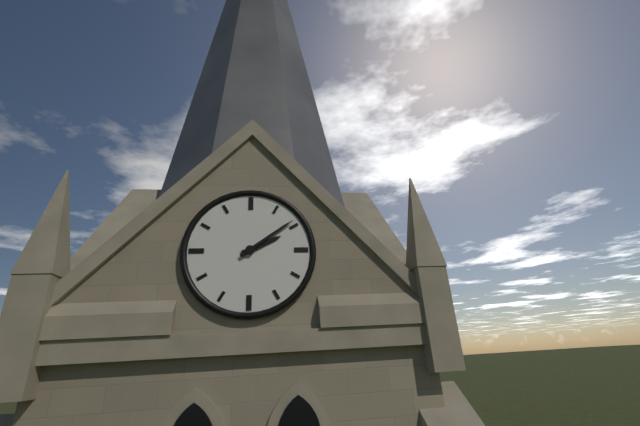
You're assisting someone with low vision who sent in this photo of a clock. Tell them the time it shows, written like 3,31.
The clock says 2,09
